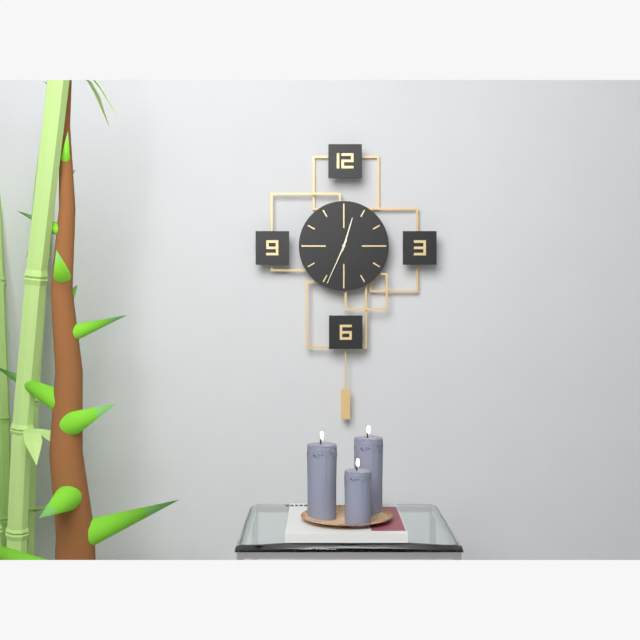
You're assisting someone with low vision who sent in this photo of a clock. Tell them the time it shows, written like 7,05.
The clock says 12,34
